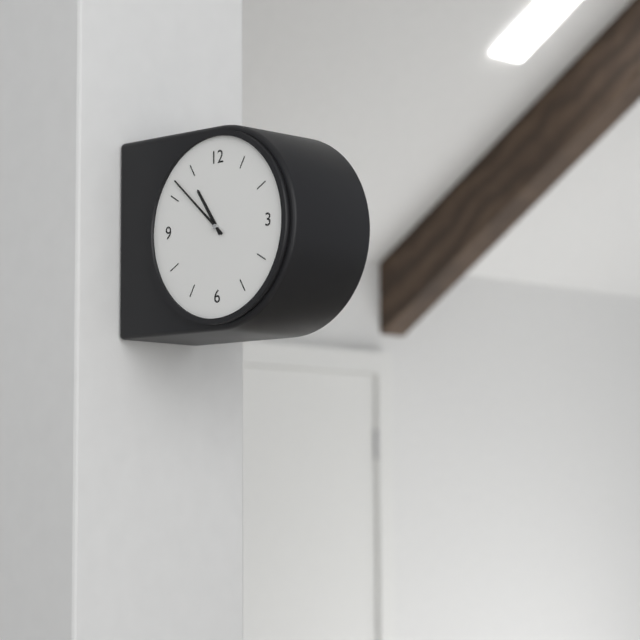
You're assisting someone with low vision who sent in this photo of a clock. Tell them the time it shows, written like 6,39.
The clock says 10,52
